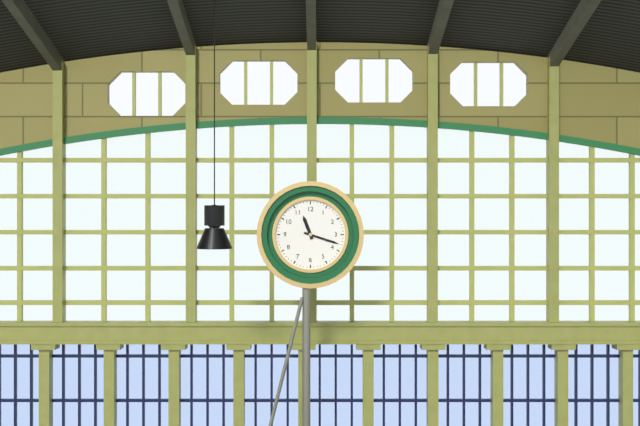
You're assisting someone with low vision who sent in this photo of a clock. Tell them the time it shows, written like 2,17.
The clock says 11,18
